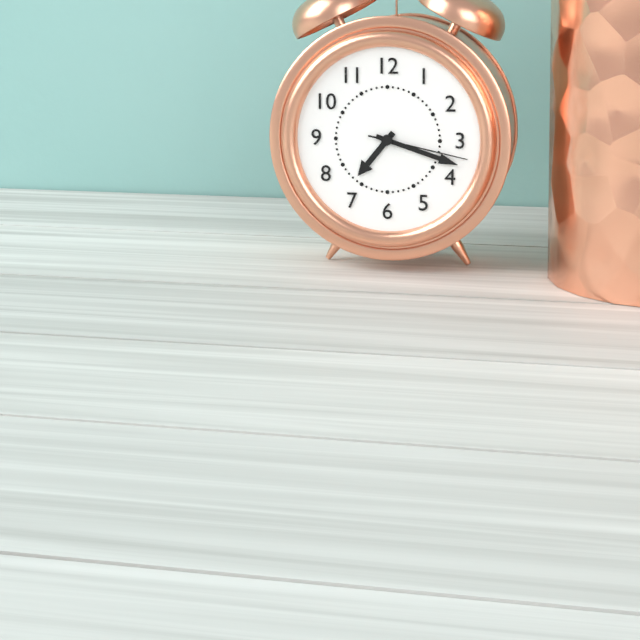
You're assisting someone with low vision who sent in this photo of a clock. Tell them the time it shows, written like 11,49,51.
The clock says 7,18,17
